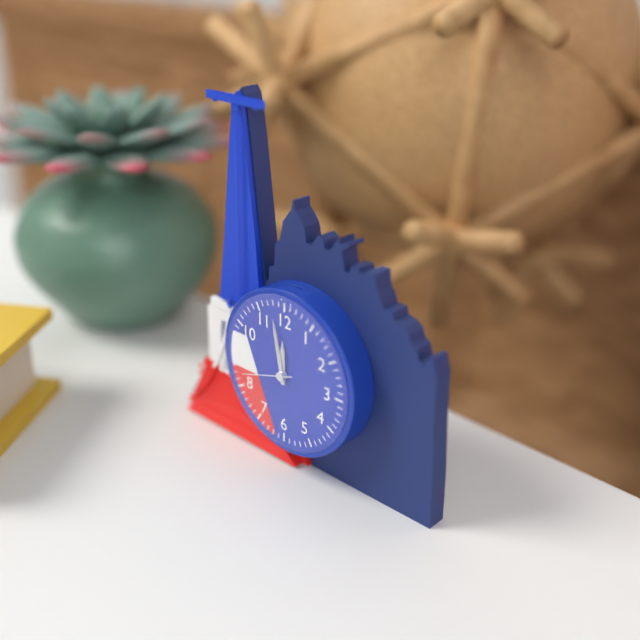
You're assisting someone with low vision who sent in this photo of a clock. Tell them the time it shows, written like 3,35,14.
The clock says 11,58,42
